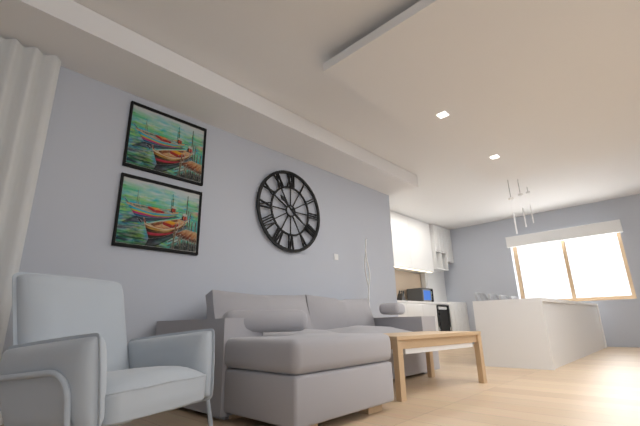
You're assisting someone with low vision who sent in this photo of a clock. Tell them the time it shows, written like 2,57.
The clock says 10,21
